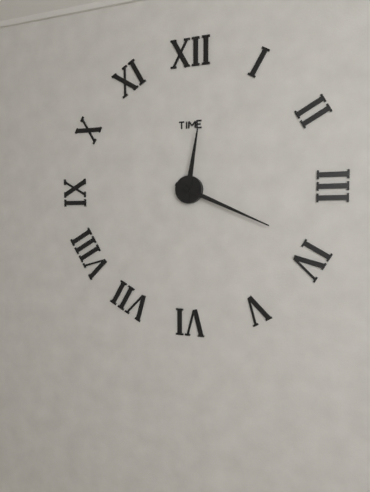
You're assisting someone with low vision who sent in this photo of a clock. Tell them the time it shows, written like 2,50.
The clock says 12,19
